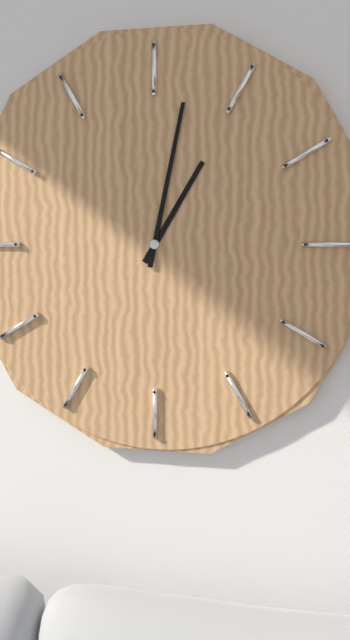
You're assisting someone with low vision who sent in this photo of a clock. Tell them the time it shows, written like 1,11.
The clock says 1,02
